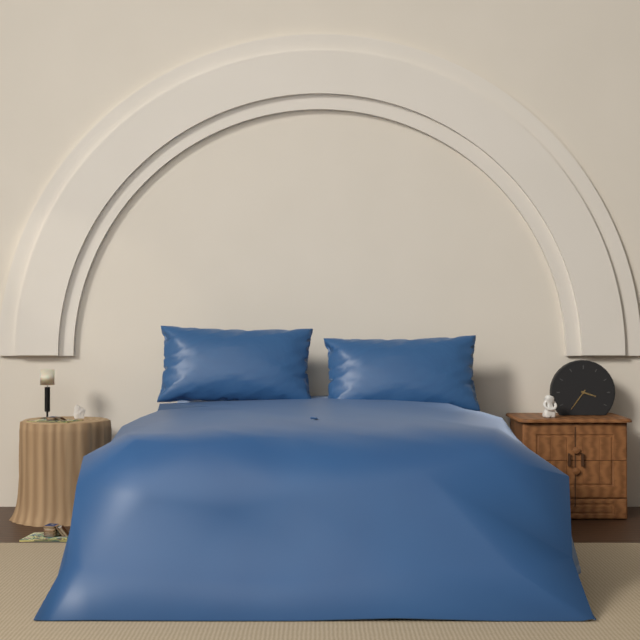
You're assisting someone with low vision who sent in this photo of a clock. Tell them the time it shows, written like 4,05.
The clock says 3,36
